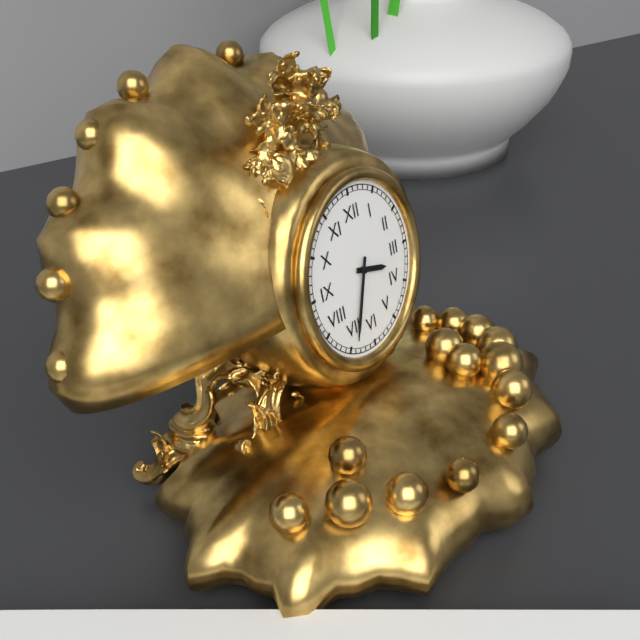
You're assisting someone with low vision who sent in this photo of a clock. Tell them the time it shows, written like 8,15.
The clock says 3,34
